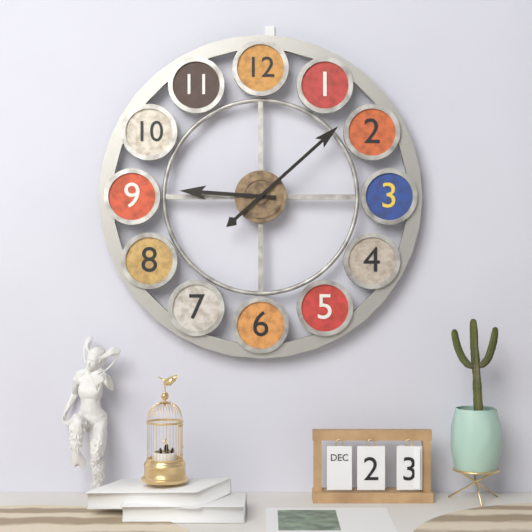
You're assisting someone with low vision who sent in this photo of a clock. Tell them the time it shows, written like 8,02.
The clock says 9,08
